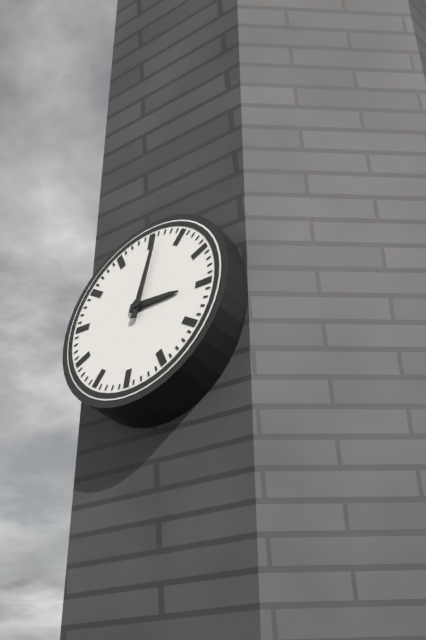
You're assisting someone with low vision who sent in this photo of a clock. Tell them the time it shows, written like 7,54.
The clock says 3,01
